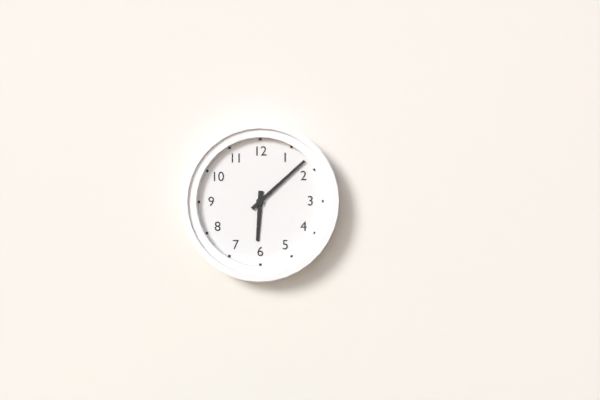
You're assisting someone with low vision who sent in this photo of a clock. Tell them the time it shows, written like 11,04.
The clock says 6,08
